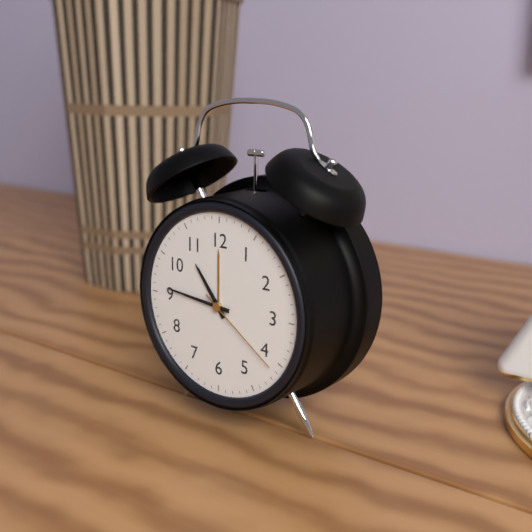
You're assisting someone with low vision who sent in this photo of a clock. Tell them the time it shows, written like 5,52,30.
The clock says 10,46,21
